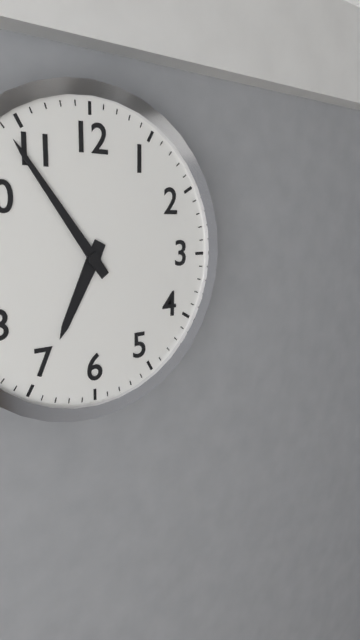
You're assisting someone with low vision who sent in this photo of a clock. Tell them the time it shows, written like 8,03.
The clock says 6,54
